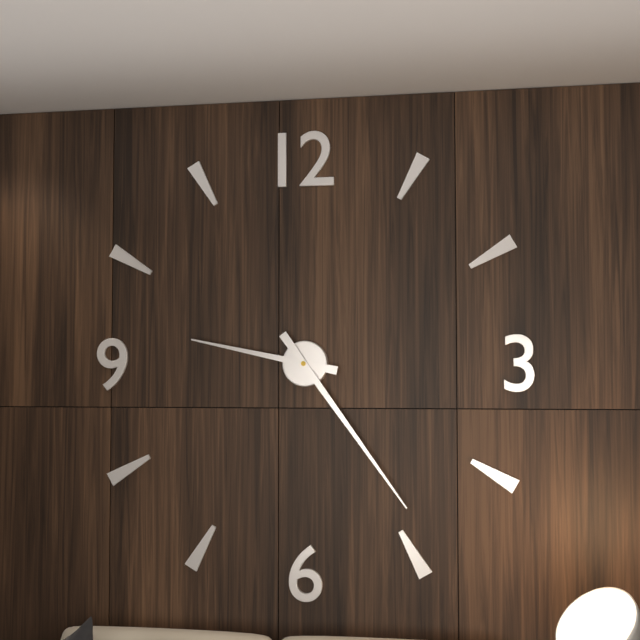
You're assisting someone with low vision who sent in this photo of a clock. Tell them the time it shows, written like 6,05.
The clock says 9,24
